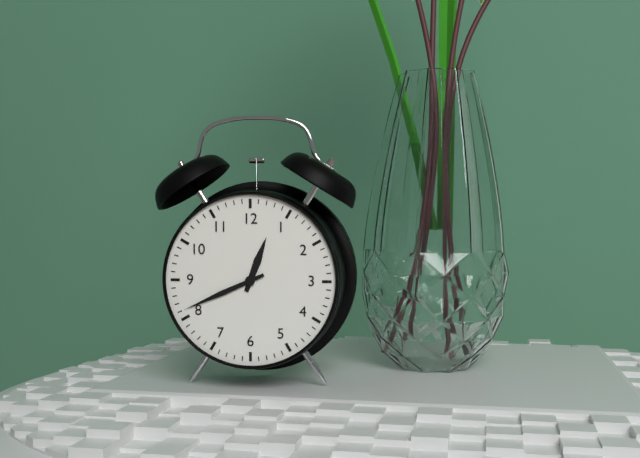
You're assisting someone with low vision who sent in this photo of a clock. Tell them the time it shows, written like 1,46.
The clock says 12,41
